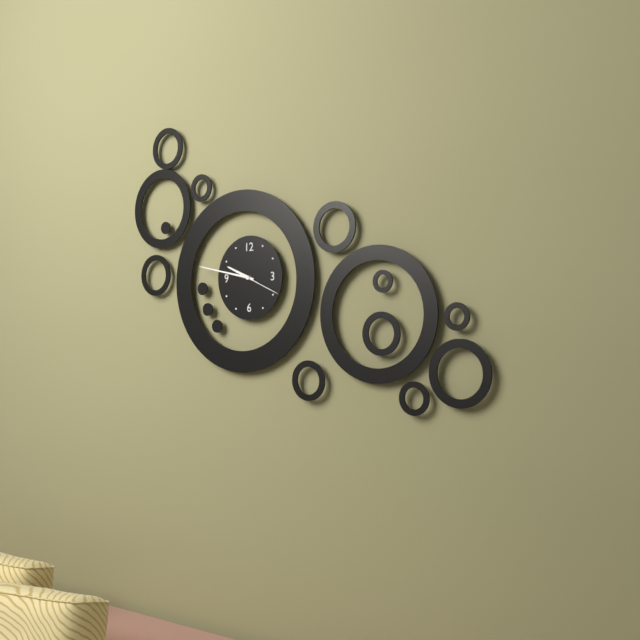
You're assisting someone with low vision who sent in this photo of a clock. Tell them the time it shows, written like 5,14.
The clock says 9,47
